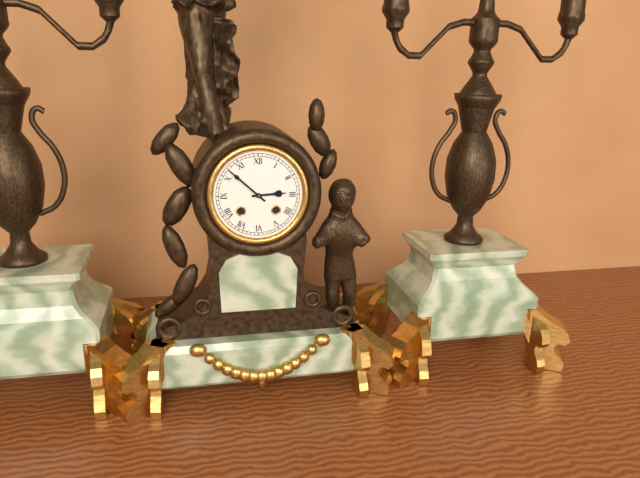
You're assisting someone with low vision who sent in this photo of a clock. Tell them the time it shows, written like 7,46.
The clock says 2,52
